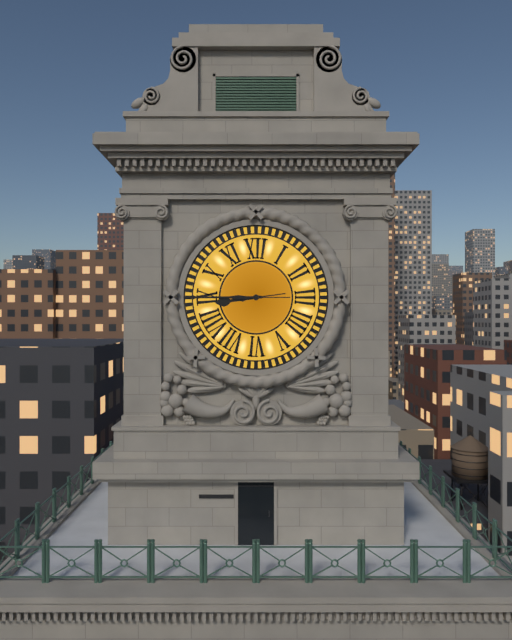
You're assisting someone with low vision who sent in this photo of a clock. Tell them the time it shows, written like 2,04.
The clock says 8,45
